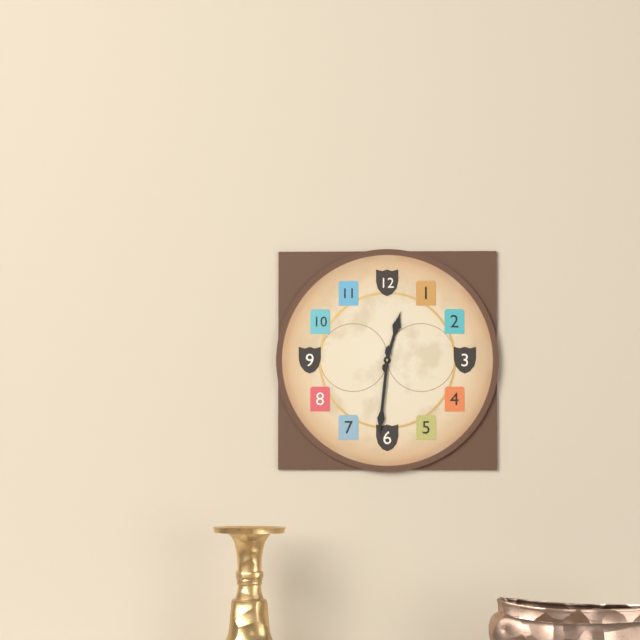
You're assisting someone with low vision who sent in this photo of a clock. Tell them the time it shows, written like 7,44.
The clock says 12,31
